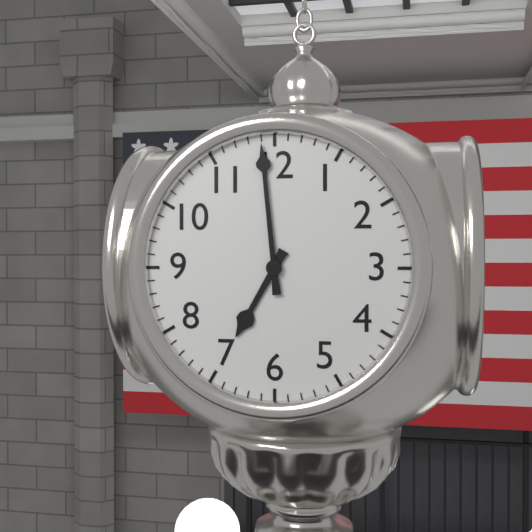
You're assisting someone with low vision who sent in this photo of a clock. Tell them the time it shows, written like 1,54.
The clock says 6,59
